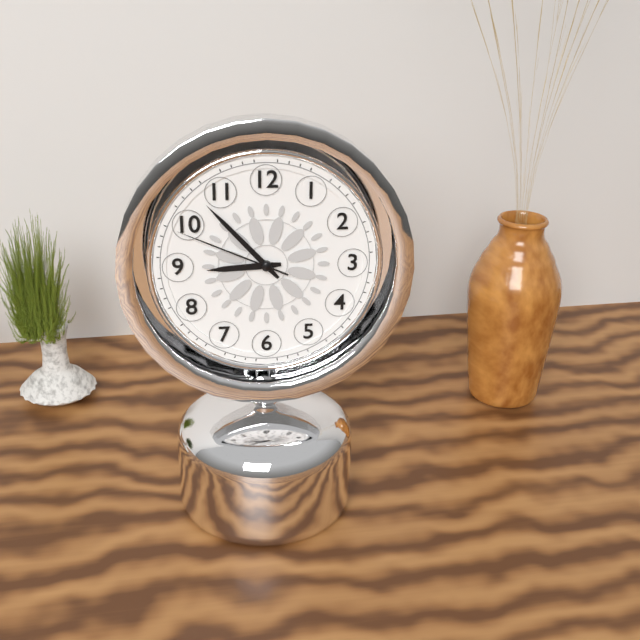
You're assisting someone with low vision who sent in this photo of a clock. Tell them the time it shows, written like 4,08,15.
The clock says 8,53,49
